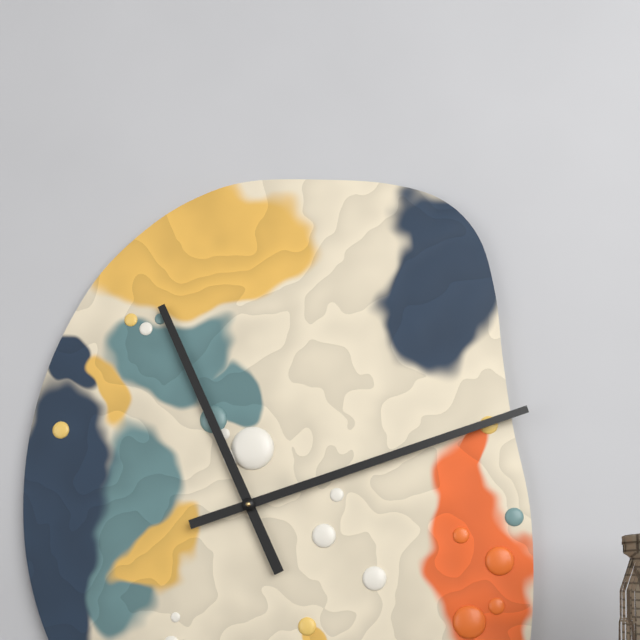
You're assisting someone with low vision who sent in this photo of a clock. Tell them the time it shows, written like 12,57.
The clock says 11,12
